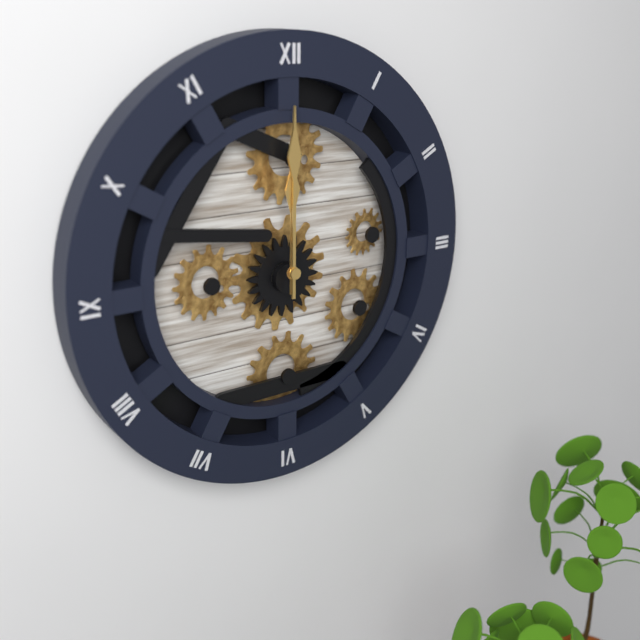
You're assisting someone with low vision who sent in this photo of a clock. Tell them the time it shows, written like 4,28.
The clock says 12,00
